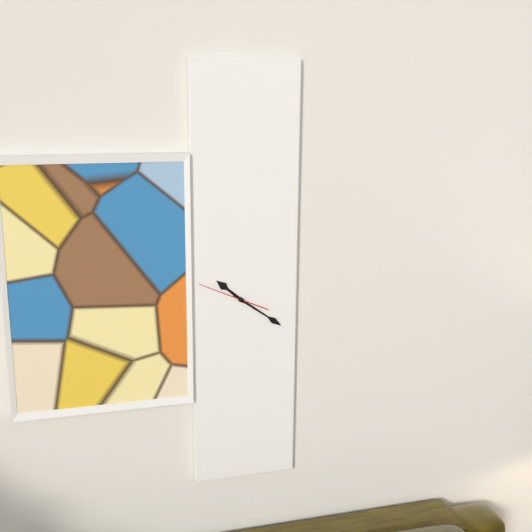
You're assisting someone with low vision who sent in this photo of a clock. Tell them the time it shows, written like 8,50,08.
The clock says 10,21,49
